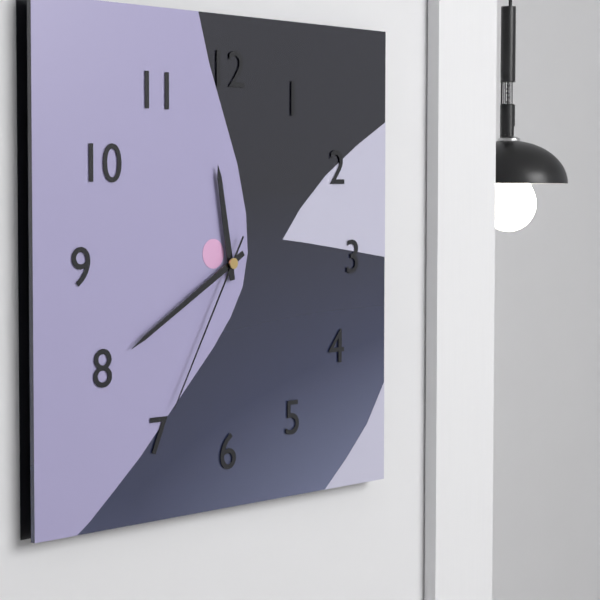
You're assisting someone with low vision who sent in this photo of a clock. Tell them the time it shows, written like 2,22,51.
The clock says 11,40,35
